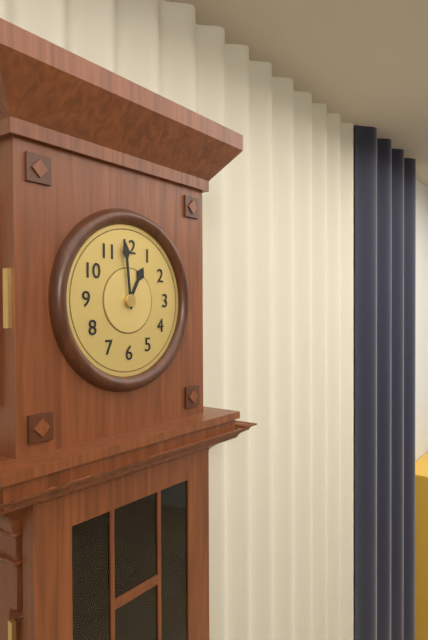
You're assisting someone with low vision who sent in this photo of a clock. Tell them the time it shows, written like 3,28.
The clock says 12,59
